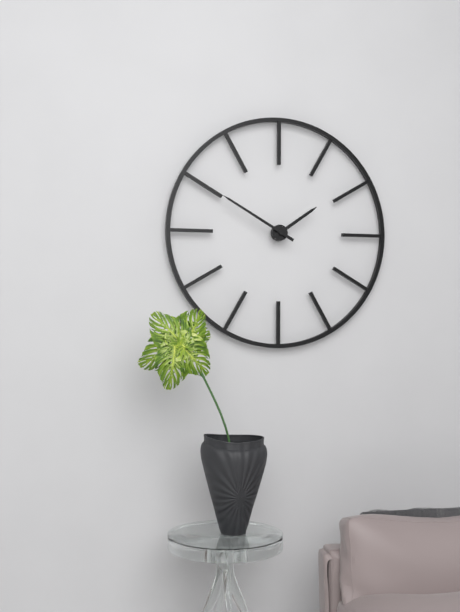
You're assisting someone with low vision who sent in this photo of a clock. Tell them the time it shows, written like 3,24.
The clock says 1,50
